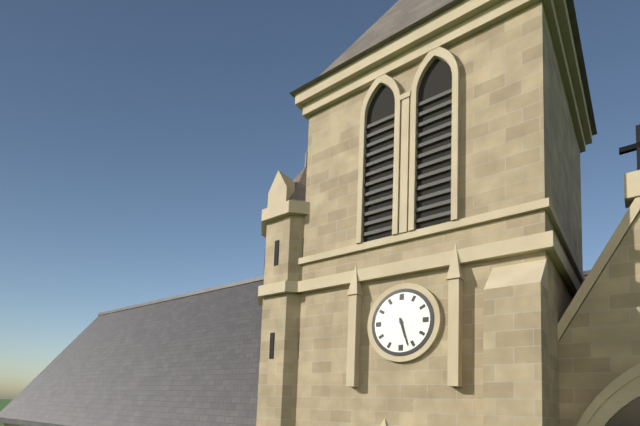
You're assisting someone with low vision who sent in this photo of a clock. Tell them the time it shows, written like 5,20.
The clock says 5,27
